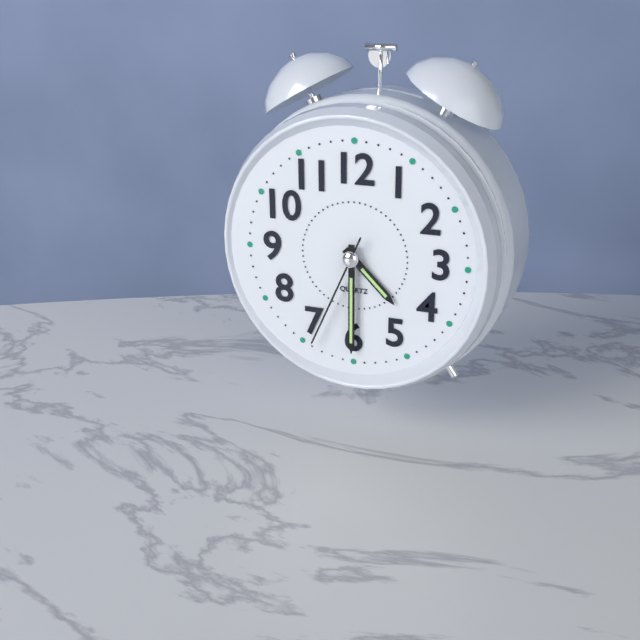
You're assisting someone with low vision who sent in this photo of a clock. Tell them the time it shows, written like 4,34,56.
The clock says 4,30,34
